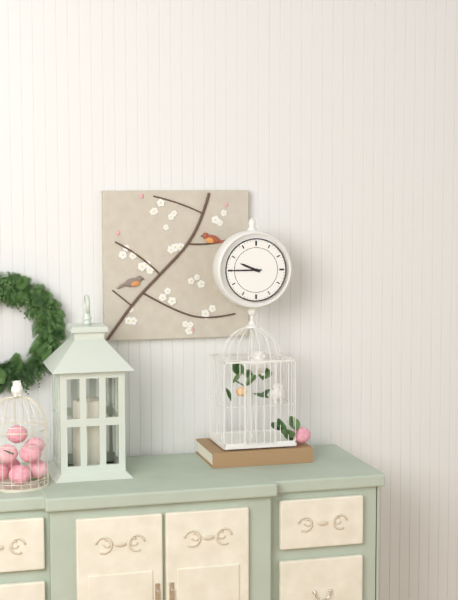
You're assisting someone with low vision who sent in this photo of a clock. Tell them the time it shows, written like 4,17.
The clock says 9,45
